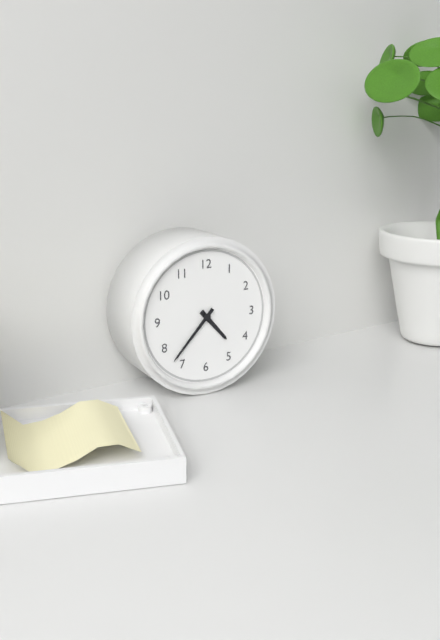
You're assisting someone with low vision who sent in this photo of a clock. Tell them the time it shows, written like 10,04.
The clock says 4,37
